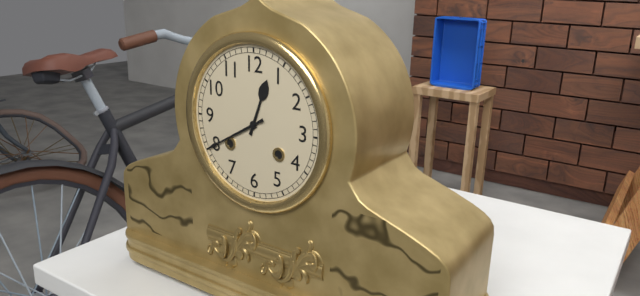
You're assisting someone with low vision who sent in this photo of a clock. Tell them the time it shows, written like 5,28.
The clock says 12,40
